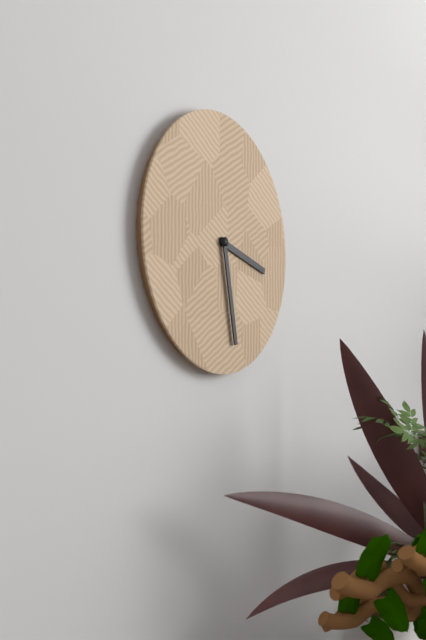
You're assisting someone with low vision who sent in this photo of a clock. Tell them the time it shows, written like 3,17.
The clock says 3,28
